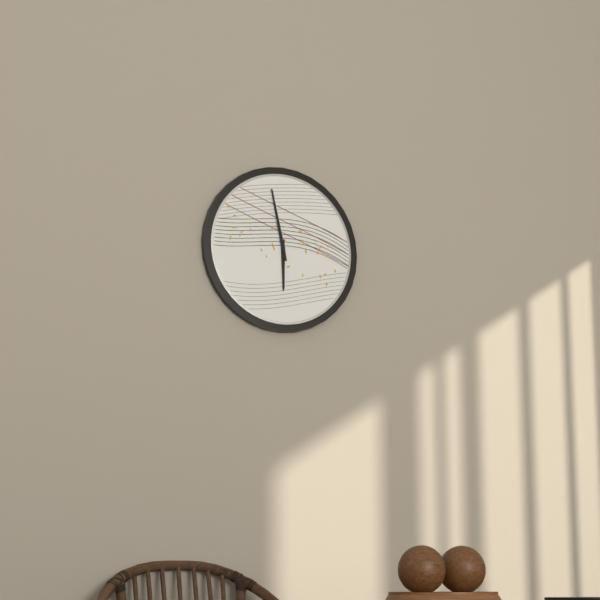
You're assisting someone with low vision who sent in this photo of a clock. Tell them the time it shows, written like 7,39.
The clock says 5,58
